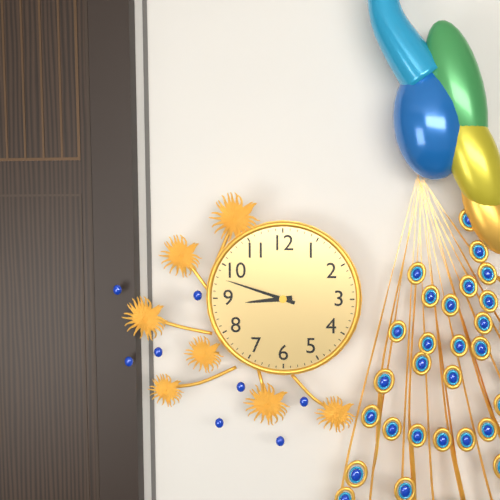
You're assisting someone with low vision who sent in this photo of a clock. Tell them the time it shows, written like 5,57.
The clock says 8,48
